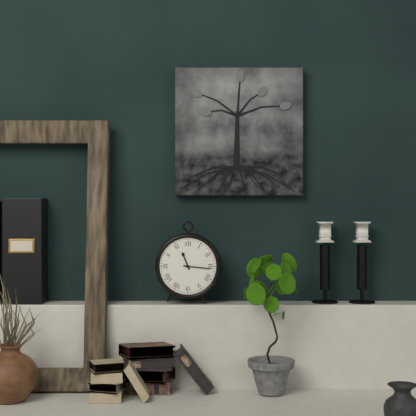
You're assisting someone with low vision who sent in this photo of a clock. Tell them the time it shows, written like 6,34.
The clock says 11,16
